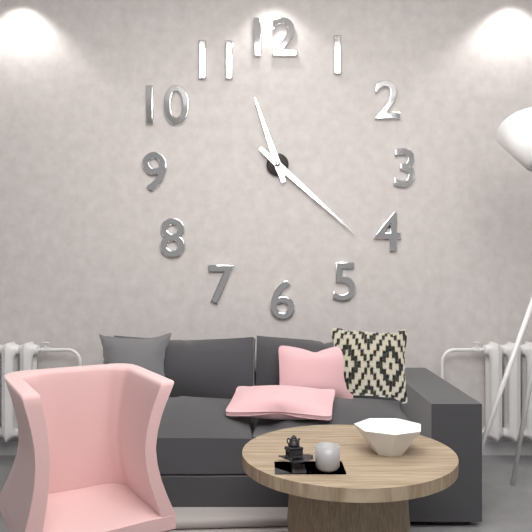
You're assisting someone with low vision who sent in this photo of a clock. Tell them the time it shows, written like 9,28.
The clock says 11,22
